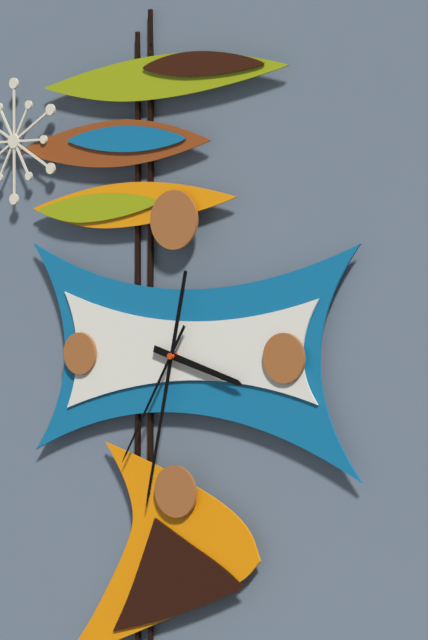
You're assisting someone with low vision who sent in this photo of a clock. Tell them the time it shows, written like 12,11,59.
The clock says 3,32,35
